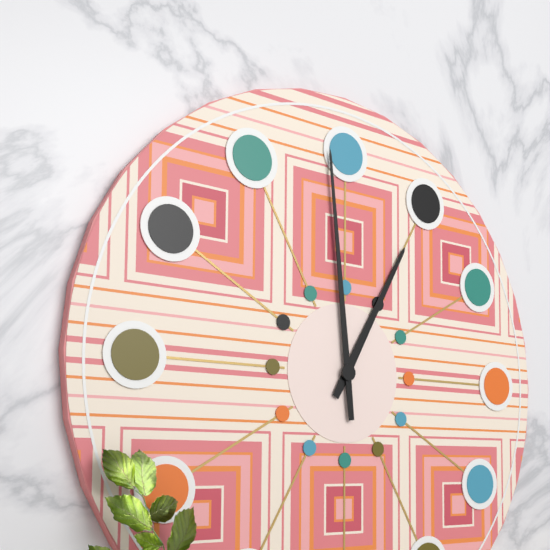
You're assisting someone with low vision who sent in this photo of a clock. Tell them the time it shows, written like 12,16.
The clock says 12,59
